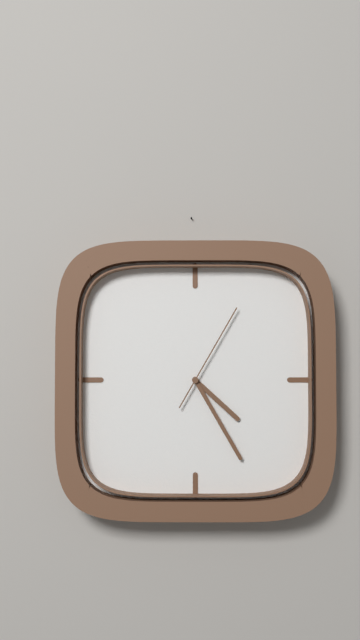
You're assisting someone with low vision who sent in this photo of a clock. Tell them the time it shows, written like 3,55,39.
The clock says 4,25,05
